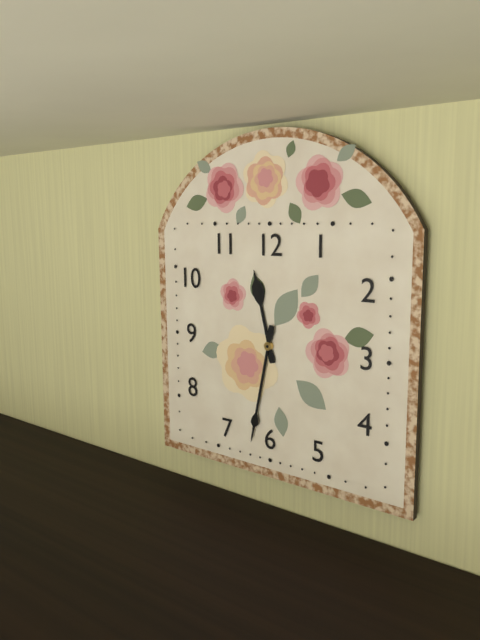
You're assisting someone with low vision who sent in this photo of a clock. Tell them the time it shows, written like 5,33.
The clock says 11,32
